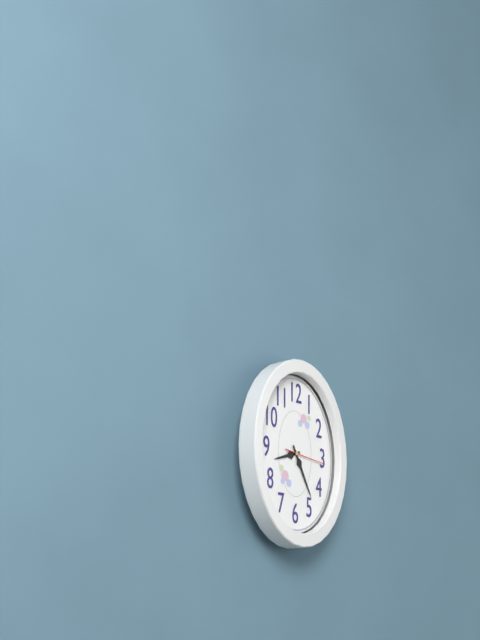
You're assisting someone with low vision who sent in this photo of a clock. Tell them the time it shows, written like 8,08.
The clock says 8,25
